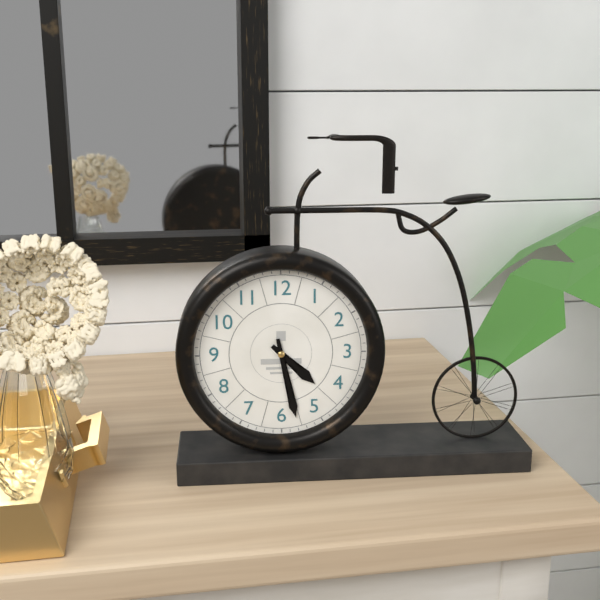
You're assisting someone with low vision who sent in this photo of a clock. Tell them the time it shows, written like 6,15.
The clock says 4,28
